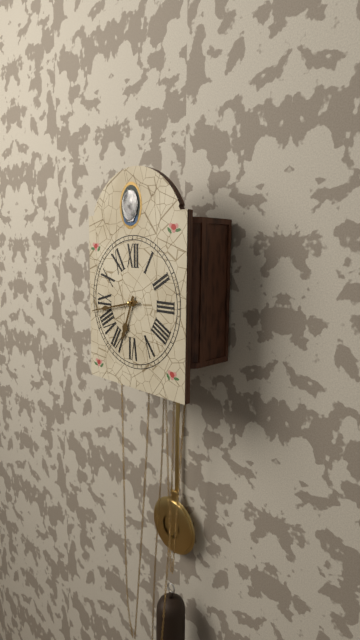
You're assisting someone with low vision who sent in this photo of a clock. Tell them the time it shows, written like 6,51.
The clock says 6,43
